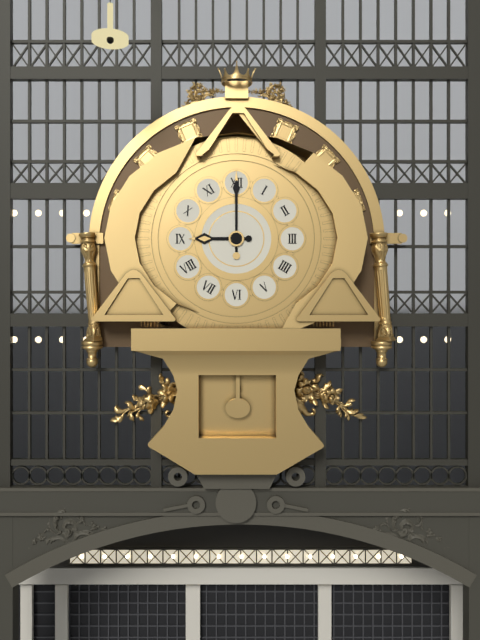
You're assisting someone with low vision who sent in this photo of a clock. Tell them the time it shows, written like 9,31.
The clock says 9,00
